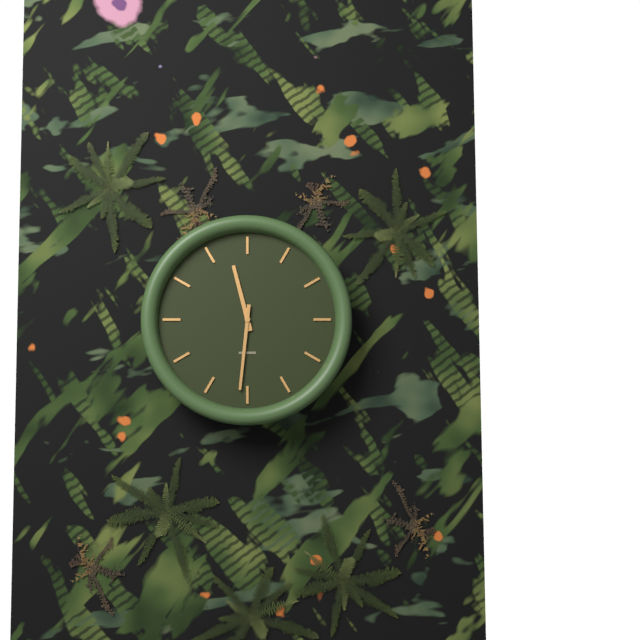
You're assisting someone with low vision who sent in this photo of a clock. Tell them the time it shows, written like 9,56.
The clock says 11,31
